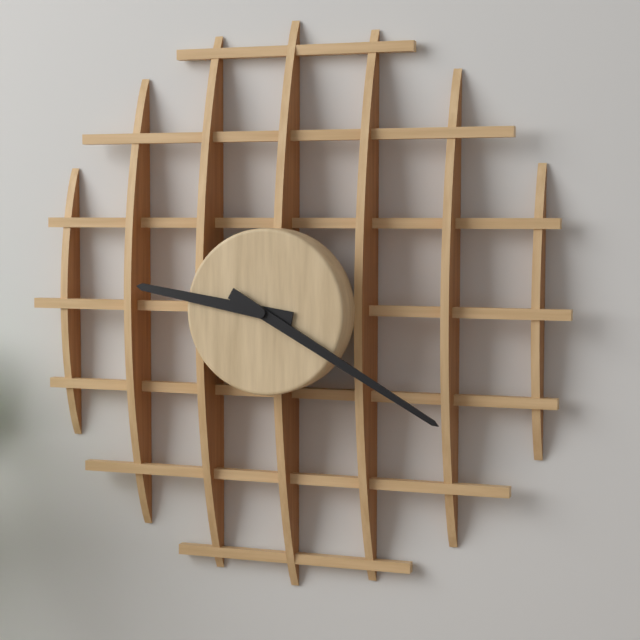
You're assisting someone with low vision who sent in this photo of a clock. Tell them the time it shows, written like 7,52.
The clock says 9,20
